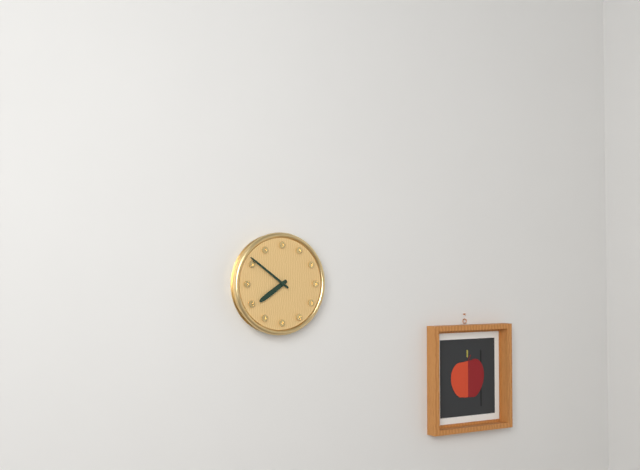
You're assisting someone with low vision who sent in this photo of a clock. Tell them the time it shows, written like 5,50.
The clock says 7,51
